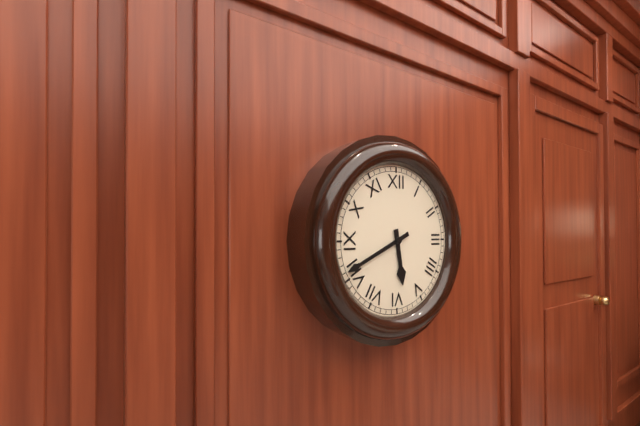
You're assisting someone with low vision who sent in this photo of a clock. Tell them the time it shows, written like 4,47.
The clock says 5,41
